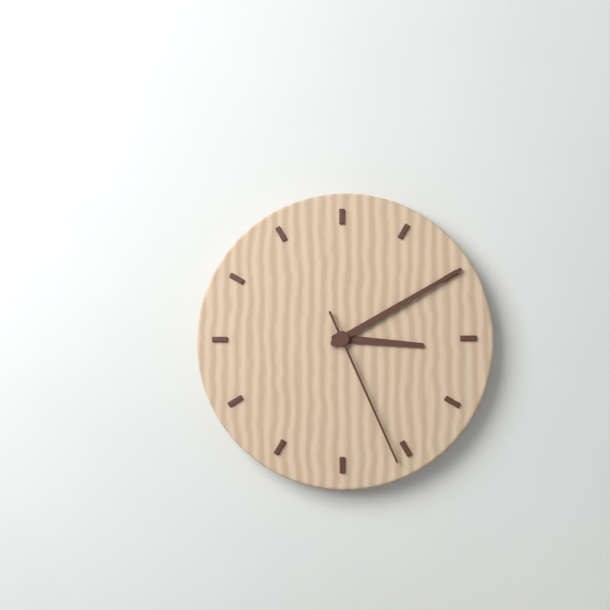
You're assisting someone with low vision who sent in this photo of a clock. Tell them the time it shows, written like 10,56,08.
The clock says 3,10,26
